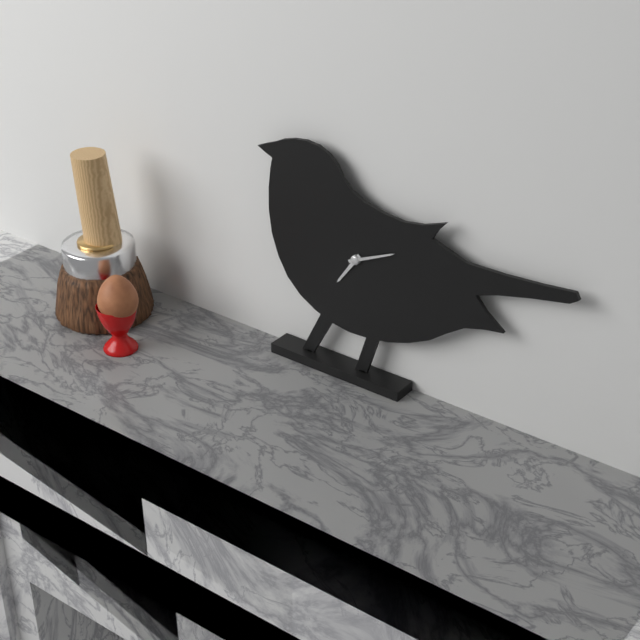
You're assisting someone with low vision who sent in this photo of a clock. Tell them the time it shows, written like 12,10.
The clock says 7,11
